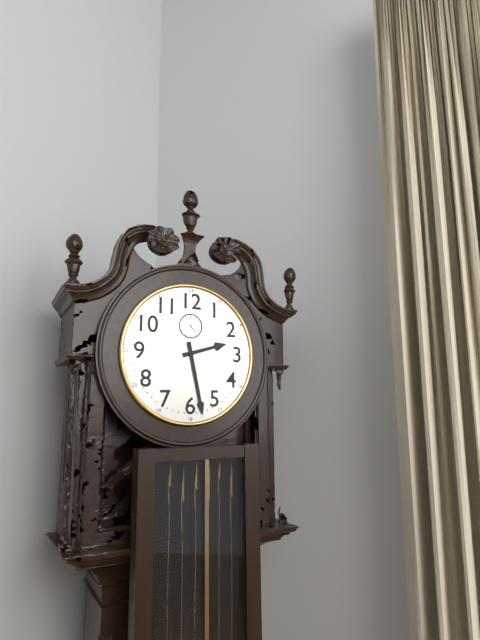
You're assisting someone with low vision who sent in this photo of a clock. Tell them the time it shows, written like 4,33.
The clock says 2,28
